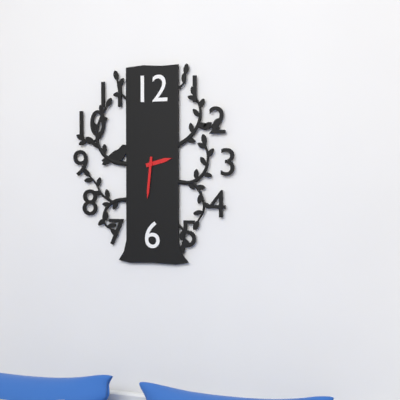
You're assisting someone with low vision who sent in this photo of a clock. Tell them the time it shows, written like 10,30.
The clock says 2,31
